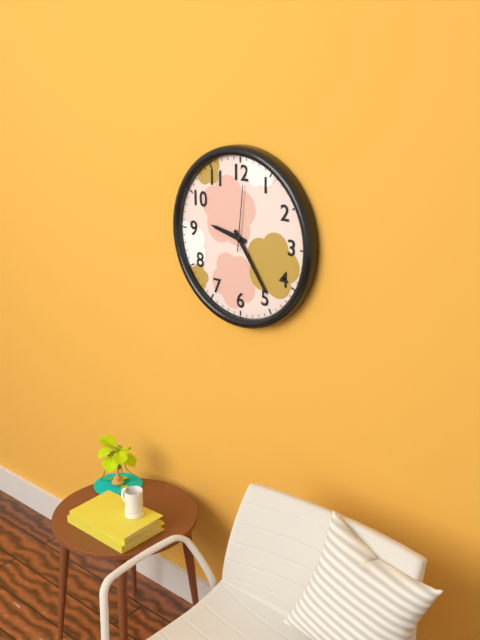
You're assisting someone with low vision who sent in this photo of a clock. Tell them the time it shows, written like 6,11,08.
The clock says 9,24,01
